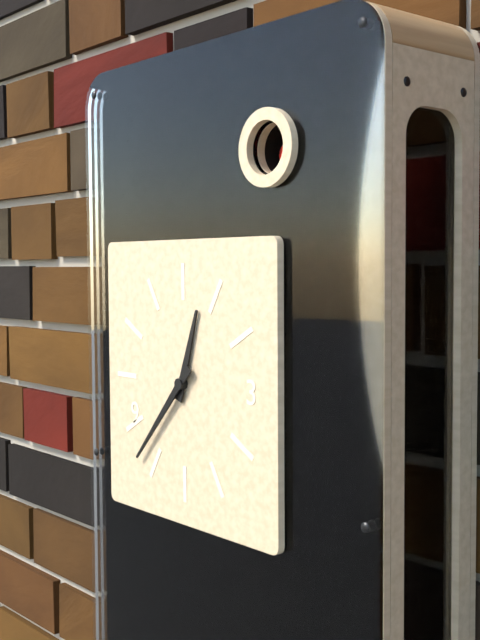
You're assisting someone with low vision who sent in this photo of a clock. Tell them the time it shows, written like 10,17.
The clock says 12,37
